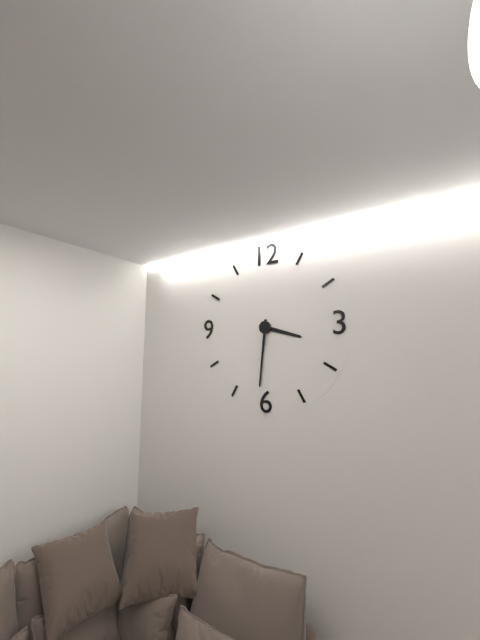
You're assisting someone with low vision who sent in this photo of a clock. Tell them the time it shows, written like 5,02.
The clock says 3,31
